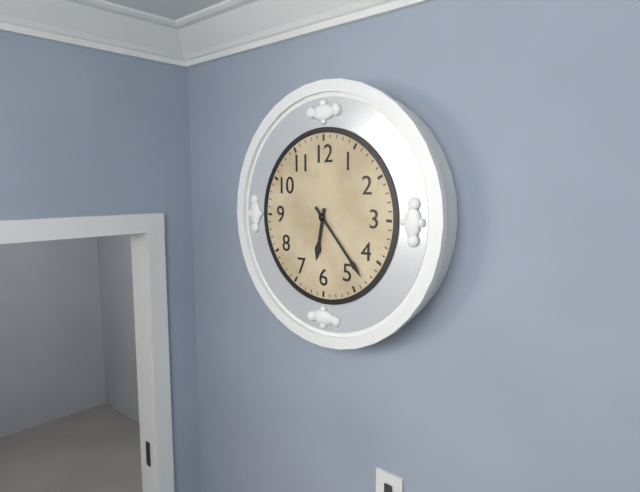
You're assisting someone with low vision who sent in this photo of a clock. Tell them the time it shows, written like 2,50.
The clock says 6,23
